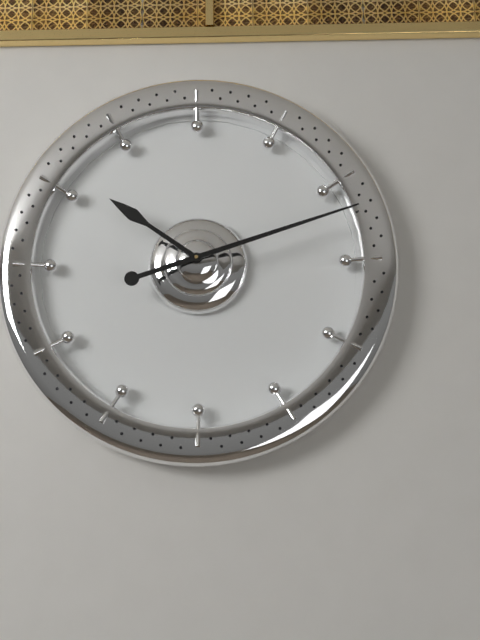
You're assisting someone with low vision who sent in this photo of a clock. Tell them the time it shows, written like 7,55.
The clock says 10,12
